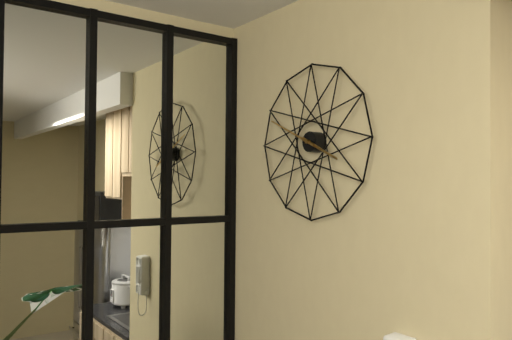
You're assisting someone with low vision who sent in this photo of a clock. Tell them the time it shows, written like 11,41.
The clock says 3,49
